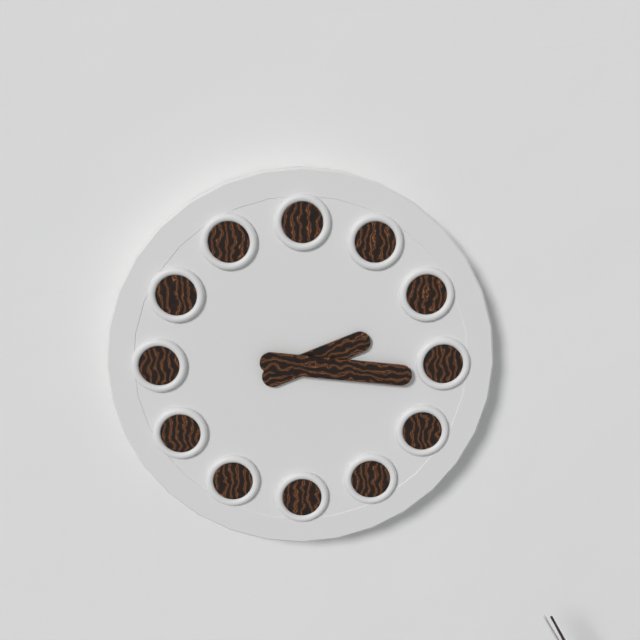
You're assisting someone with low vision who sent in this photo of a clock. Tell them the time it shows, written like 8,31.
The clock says 2,16
